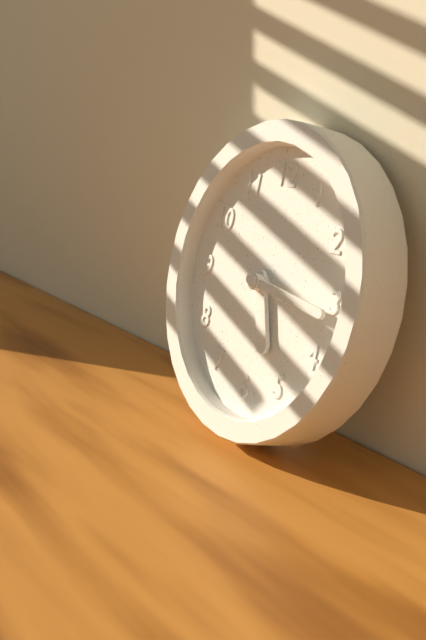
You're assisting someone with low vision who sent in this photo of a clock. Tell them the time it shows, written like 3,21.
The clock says 5,16
